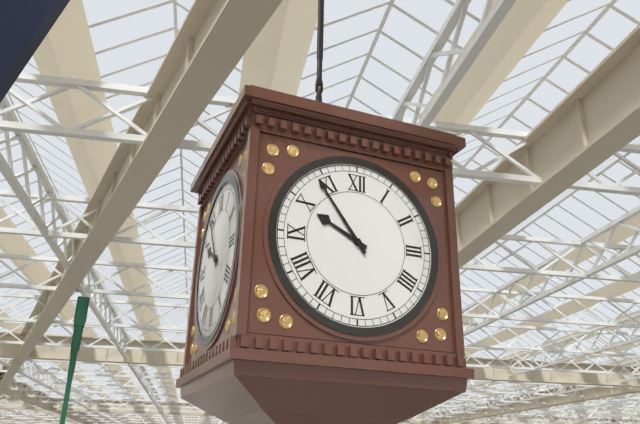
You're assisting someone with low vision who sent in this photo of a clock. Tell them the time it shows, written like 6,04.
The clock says 9,54
